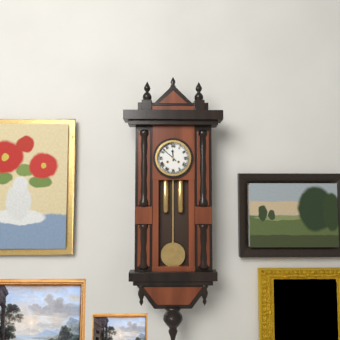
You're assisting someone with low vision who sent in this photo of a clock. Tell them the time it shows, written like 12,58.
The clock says 11,52
